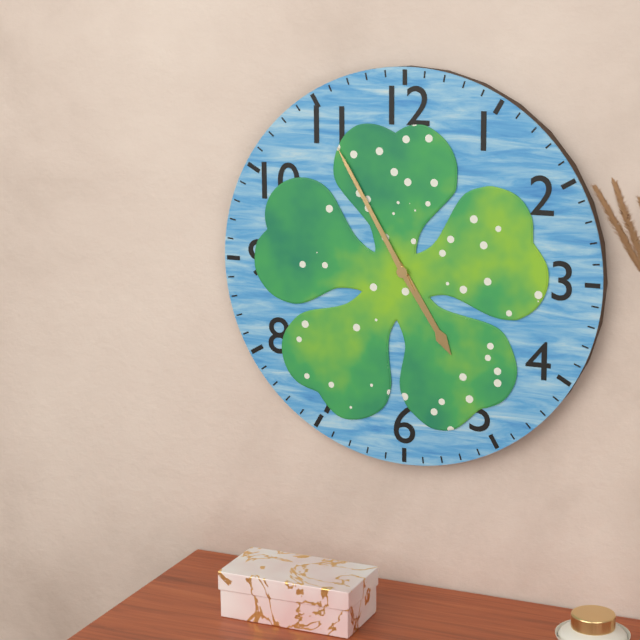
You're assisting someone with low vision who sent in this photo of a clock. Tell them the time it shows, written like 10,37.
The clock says 4,55
